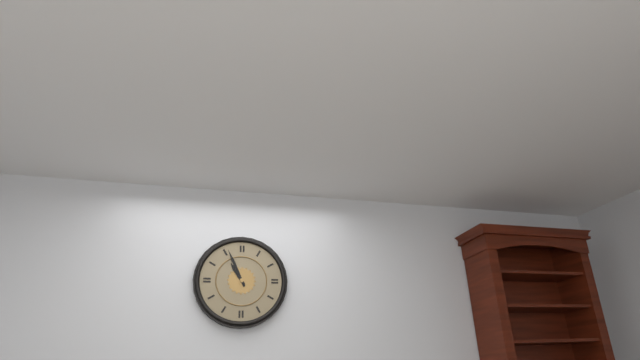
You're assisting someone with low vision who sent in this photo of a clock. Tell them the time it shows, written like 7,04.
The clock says 10,56
